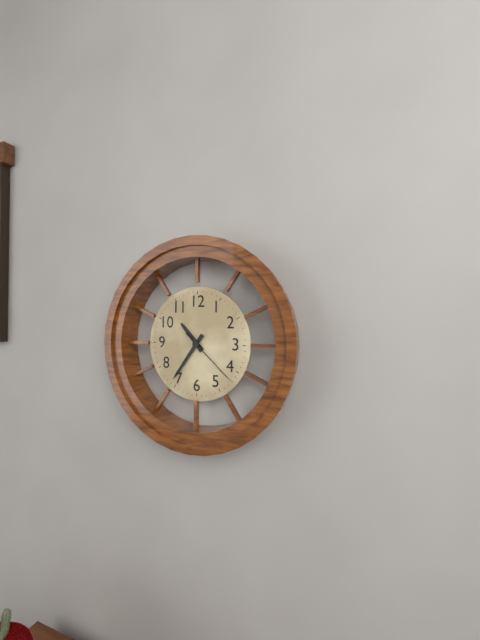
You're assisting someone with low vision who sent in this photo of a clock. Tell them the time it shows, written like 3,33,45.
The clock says 10,36,22
